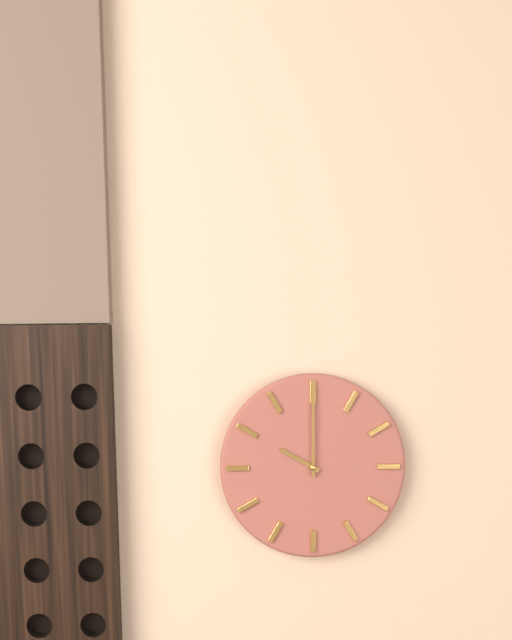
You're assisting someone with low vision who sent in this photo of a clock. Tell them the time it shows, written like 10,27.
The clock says 10,00
